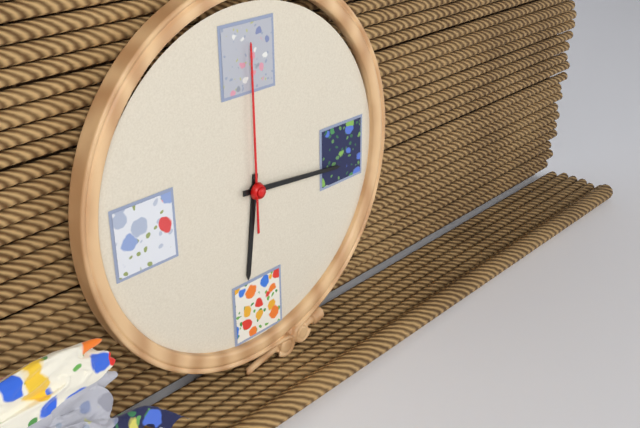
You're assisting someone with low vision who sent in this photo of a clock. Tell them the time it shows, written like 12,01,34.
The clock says 6,16,00
